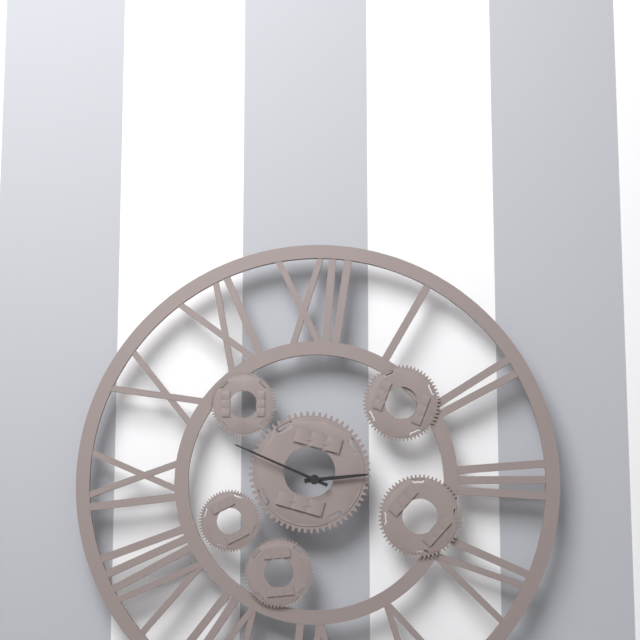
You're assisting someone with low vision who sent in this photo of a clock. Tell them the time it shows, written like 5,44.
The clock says 2,49
